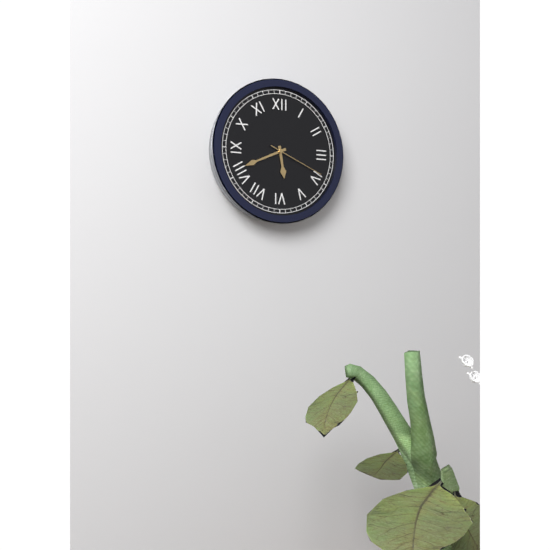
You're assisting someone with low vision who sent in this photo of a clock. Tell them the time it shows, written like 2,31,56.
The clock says 5,41,19
